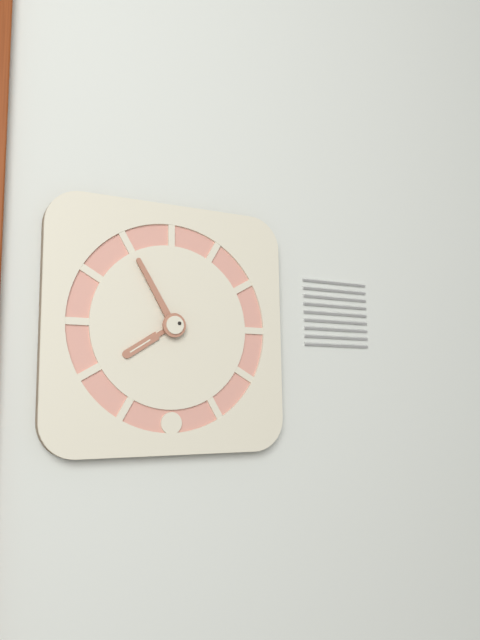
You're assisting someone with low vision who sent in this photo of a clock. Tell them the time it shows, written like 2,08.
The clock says 7,55
